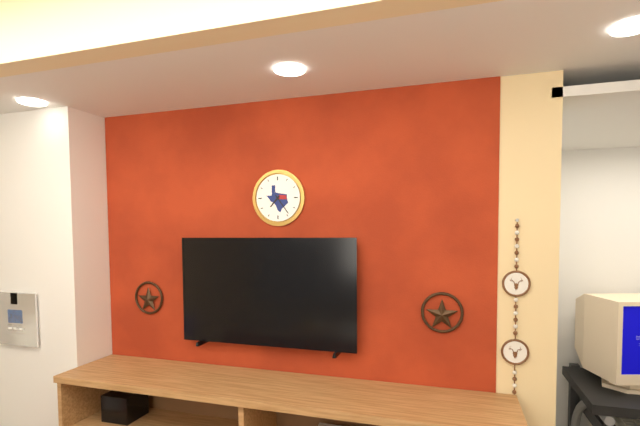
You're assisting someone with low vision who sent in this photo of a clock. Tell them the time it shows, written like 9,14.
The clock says 7,24
